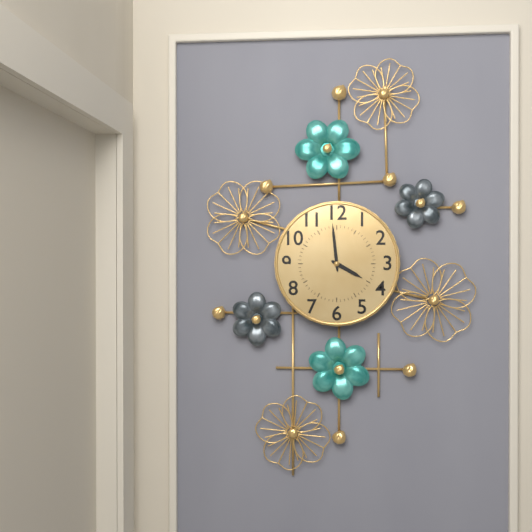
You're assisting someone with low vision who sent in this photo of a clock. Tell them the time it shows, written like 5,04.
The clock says 3,59
